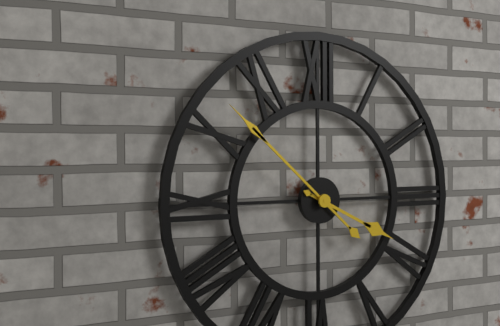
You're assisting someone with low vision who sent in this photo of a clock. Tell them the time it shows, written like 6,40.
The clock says 3,52
